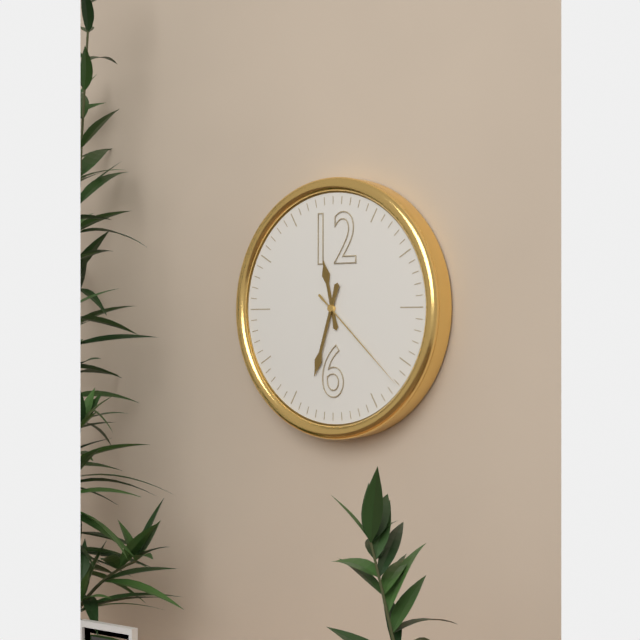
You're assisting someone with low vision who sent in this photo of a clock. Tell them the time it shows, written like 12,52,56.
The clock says 11,33,22
